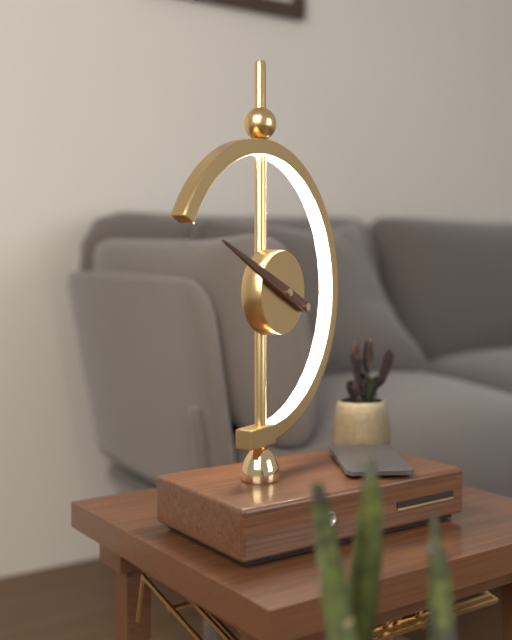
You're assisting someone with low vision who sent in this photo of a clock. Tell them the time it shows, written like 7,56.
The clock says 9,49
